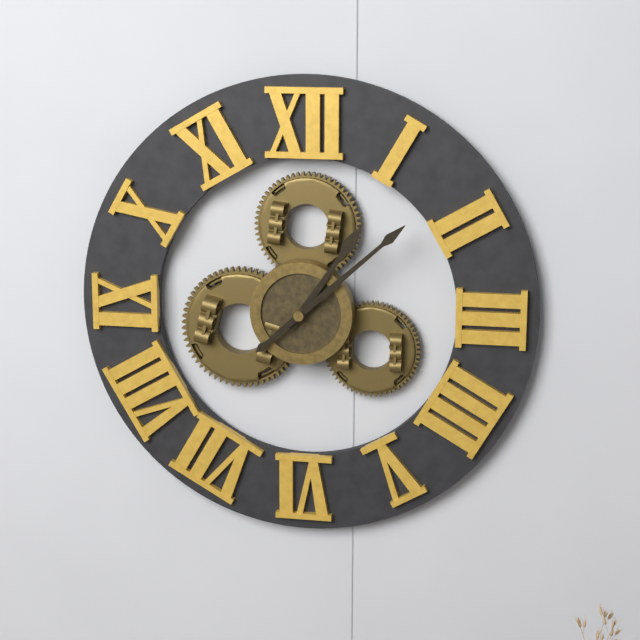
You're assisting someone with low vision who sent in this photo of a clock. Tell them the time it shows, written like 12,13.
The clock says 1,08
